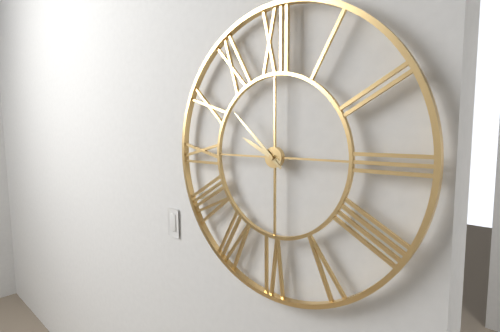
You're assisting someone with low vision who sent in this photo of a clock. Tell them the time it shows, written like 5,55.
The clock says 9,52
